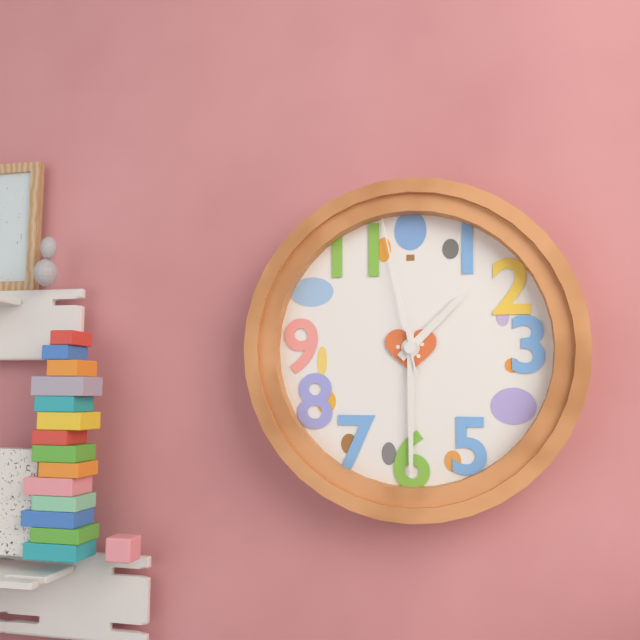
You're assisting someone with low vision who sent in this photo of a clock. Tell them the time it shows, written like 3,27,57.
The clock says 1,30,58
